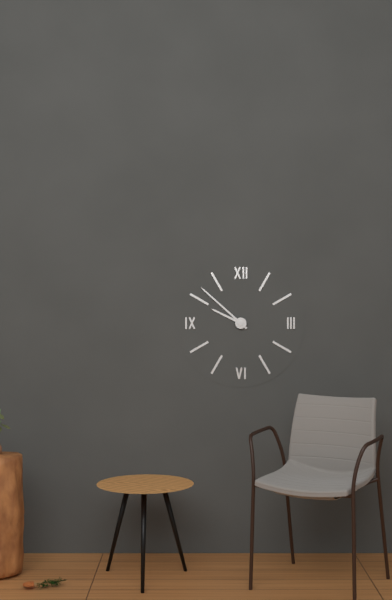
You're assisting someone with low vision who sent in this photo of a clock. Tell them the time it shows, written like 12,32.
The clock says 9,52
